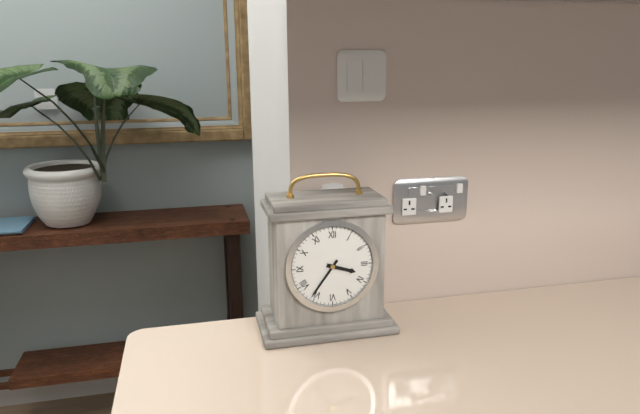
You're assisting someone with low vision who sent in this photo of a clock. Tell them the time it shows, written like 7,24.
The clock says 3,36
